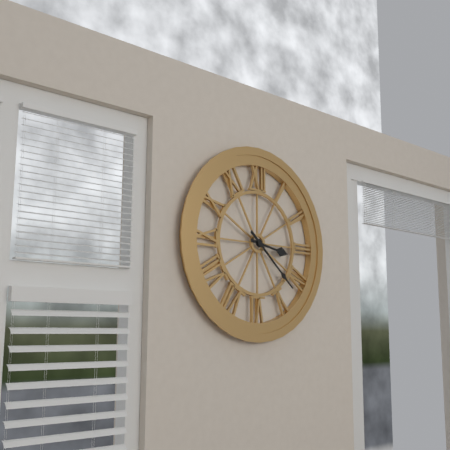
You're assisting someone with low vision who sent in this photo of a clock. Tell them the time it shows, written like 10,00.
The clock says 3,22
